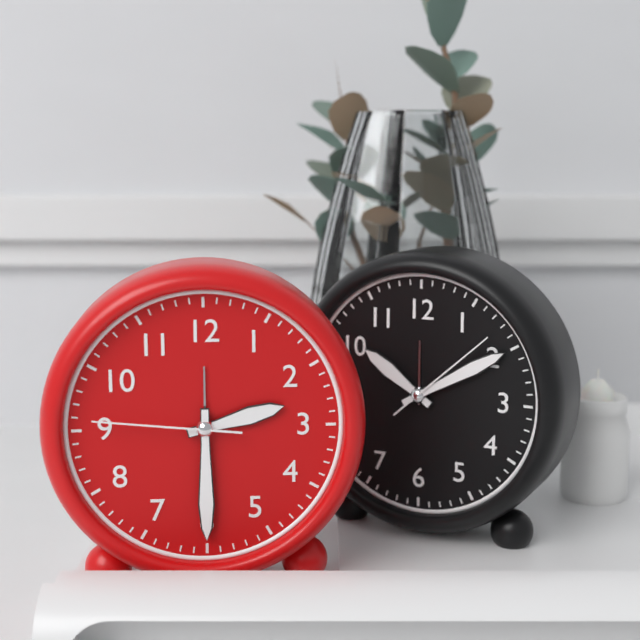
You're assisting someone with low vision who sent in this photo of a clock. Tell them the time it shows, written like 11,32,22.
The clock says 2,30,46
